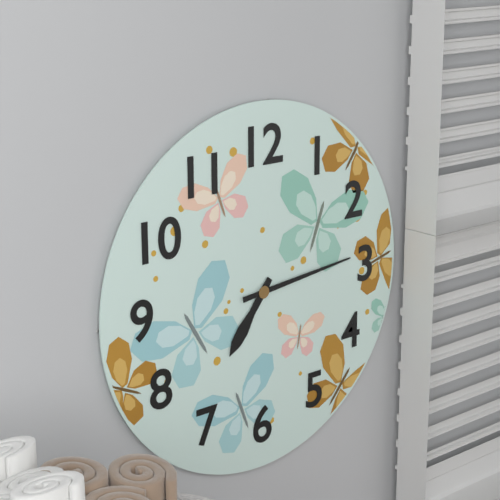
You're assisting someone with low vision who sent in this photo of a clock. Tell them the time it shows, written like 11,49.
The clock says 7,14
